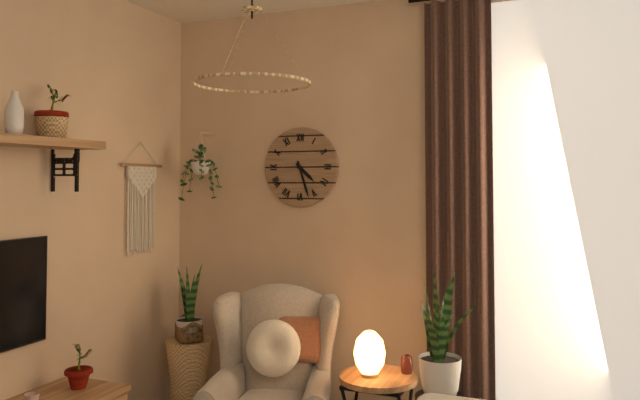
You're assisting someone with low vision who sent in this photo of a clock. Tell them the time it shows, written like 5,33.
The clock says 4,27
